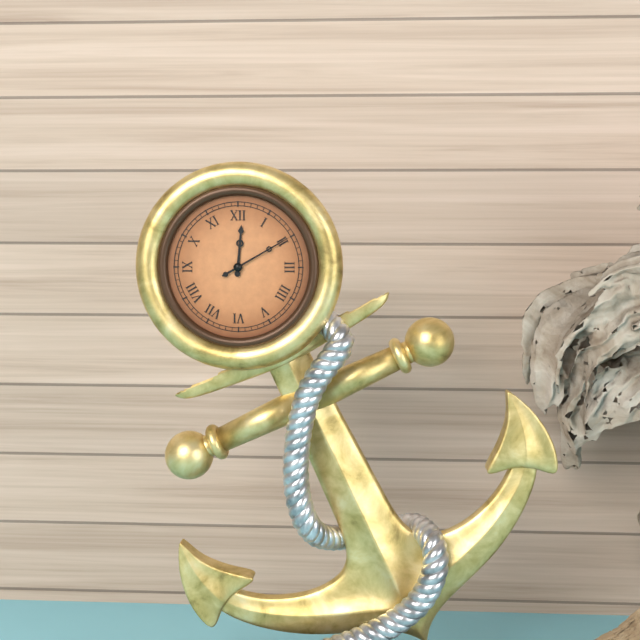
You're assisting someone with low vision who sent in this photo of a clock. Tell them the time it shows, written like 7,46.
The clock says 12,10
